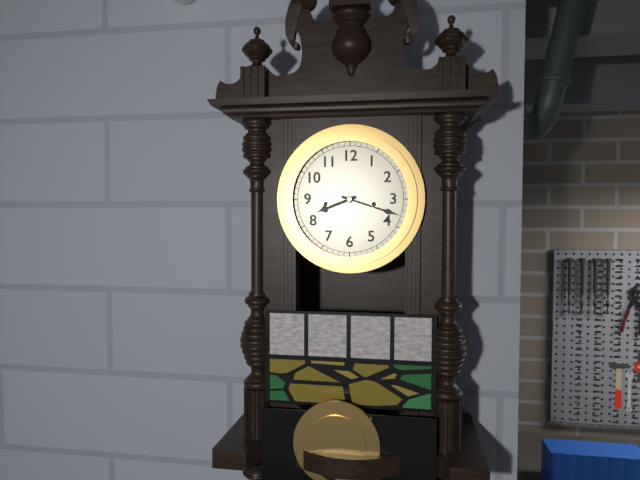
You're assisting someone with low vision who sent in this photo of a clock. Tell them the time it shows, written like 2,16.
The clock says 8,18
